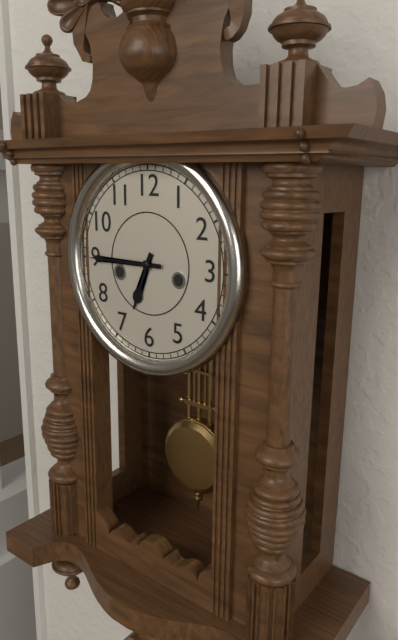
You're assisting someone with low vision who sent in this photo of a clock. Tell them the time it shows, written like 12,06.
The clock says 6,45
